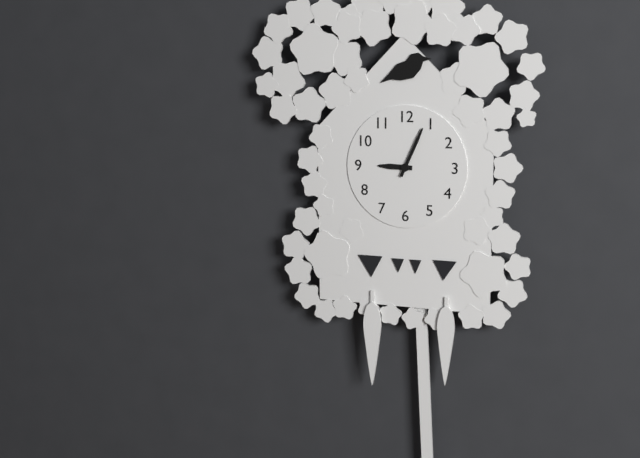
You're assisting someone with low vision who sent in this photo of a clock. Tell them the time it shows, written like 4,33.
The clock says 9,04
